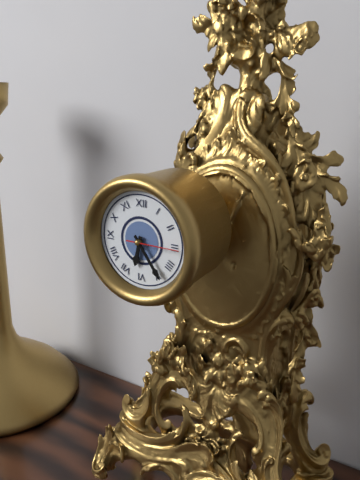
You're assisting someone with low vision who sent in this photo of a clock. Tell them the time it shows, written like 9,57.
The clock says 6,24
